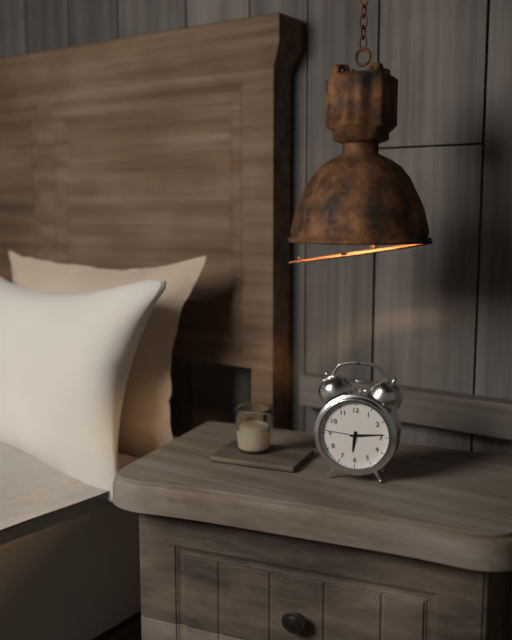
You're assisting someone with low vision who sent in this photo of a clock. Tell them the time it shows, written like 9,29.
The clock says 6,14
